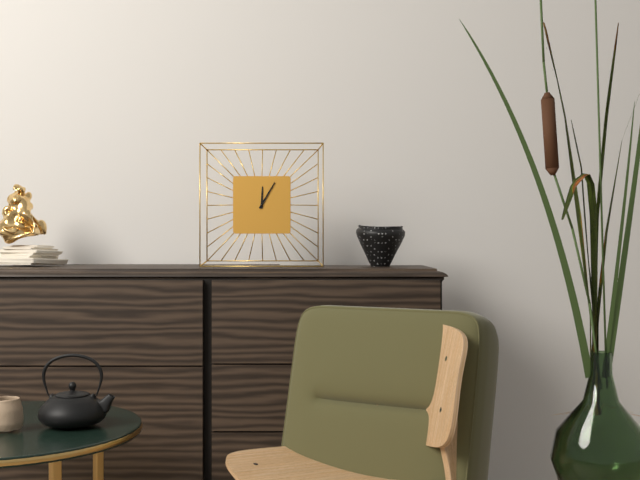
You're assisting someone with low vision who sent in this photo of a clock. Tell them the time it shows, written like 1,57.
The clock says 12,05
